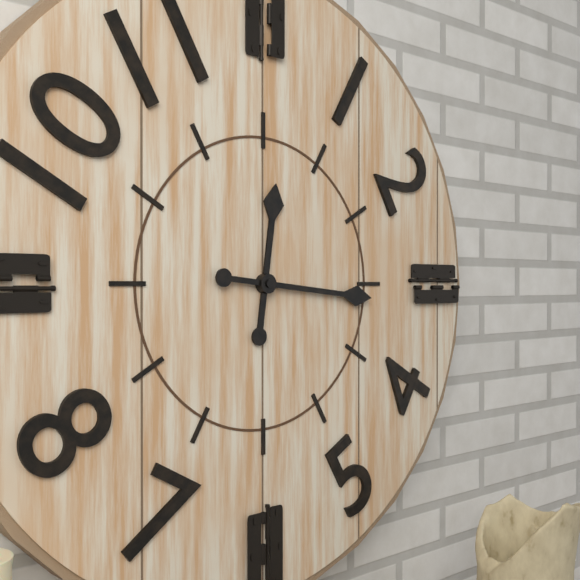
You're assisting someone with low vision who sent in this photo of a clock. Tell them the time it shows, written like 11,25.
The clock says 12,16
